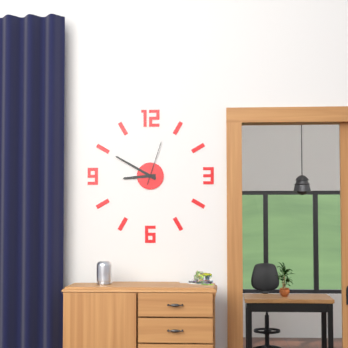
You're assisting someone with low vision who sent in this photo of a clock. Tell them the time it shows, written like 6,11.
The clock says 8,50
